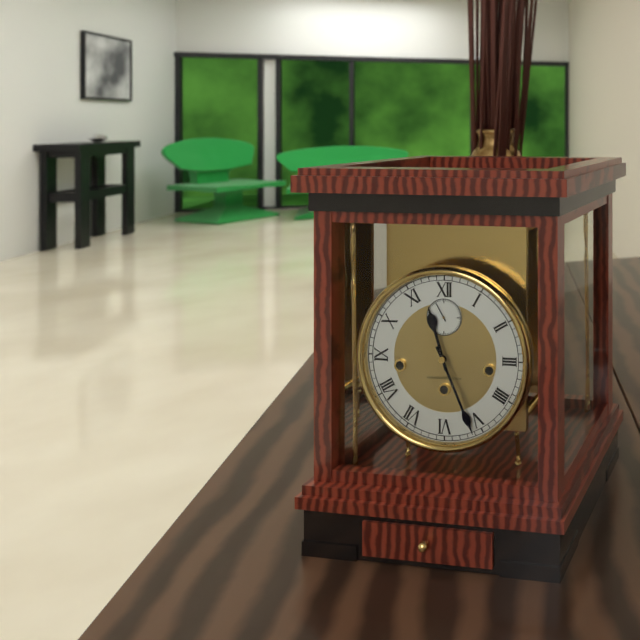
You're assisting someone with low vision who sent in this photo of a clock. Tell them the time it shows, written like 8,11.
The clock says 11,26
